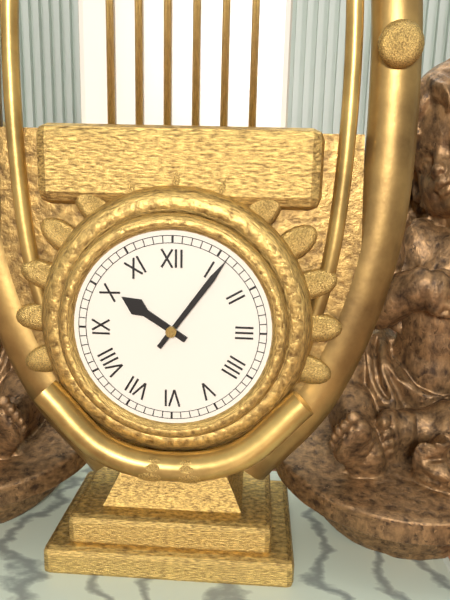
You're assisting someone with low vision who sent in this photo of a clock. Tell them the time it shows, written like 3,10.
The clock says 10,06
